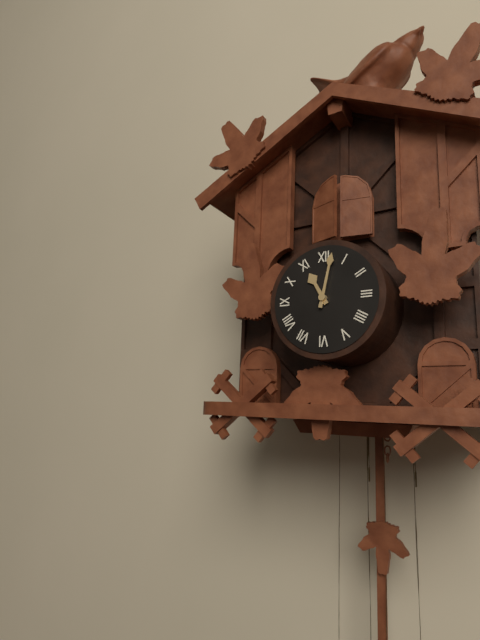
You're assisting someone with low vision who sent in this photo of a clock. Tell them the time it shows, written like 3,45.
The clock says 11,02
